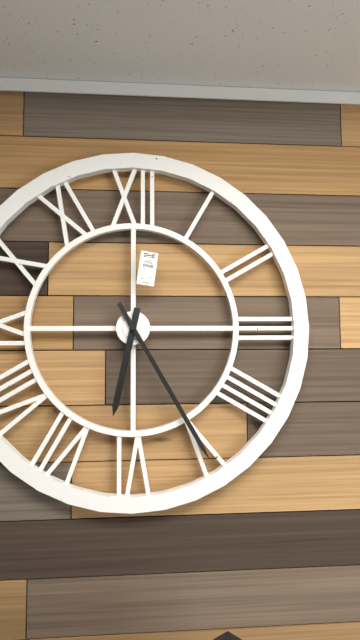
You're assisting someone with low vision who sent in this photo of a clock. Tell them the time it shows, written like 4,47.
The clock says 6,25
